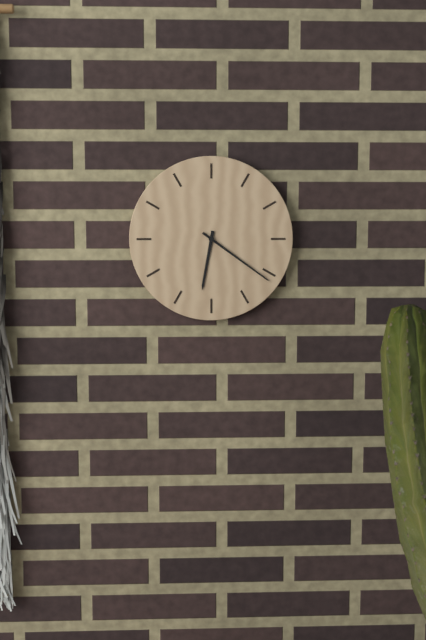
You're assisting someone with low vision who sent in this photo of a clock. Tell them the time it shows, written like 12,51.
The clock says 6,21
